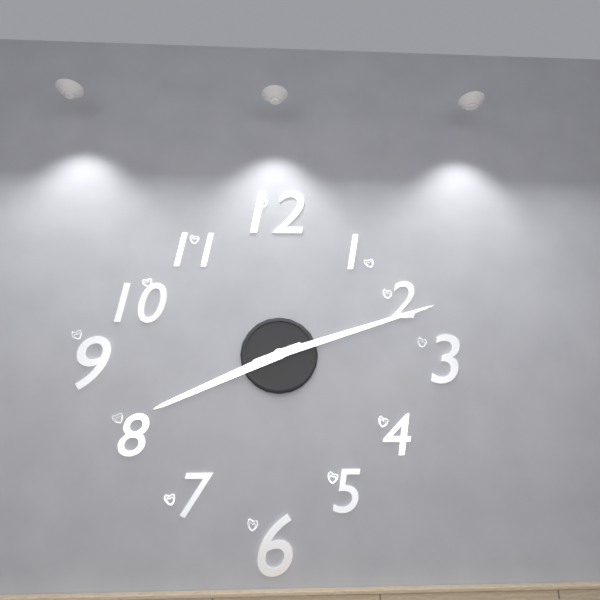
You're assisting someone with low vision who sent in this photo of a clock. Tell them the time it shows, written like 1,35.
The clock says 8,12
